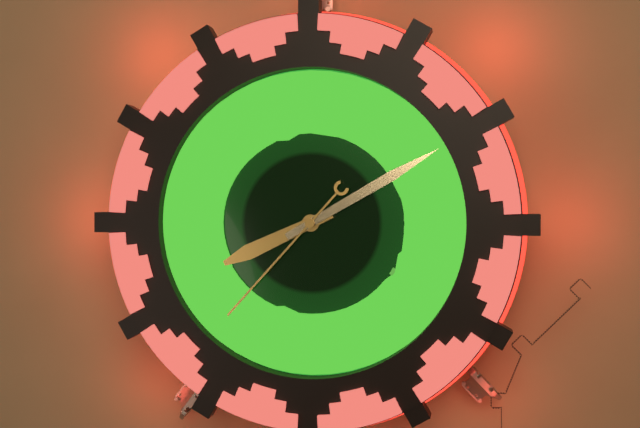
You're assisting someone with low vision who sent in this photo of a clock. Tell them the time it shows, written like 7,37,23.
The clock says 8,10,37
